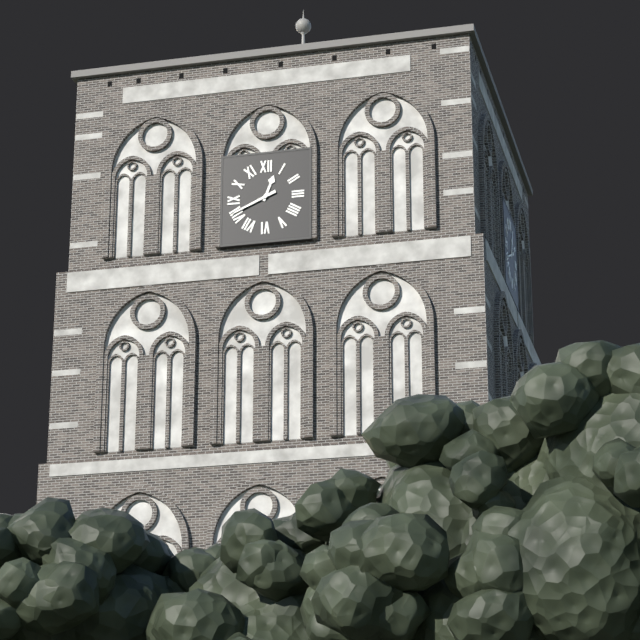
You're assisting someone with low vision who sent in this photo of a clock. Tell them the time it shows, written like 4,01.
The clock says 12,41
